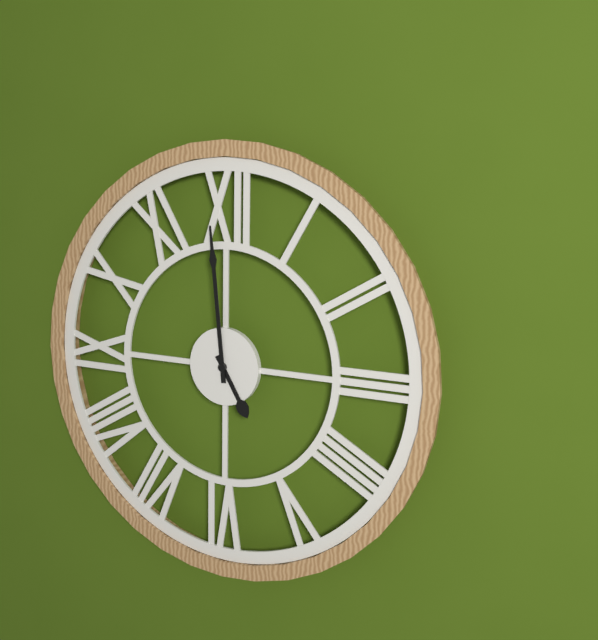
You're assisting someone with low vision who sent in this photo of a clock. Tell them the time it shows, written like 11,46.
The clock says 4,59
